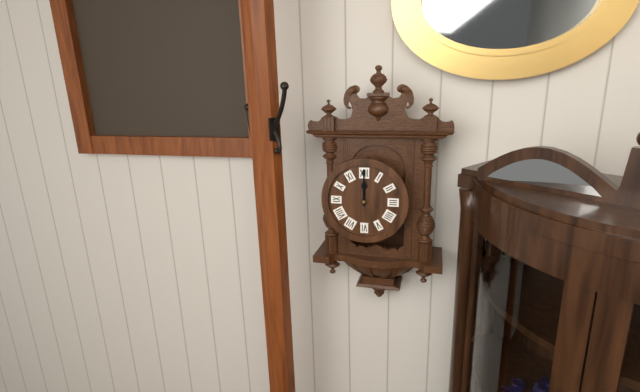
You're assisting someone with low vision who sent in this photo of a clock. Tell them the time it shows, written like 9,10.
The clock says 12,00
